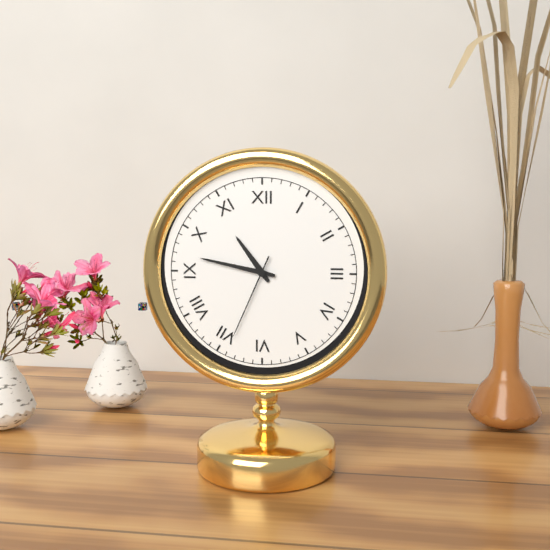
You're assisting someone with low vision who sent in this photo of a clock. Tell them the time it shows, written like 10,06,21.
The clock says 10,47,34
